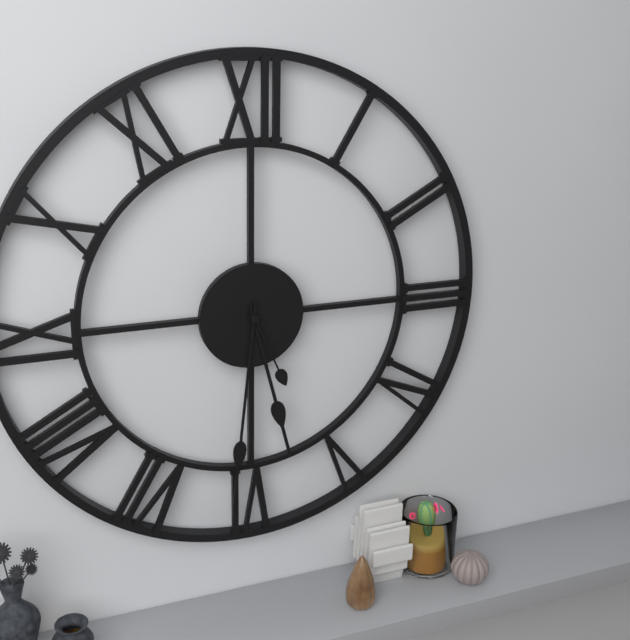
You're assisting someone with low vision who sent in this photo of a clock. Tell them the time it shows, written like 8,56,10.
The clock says 5,31,26
